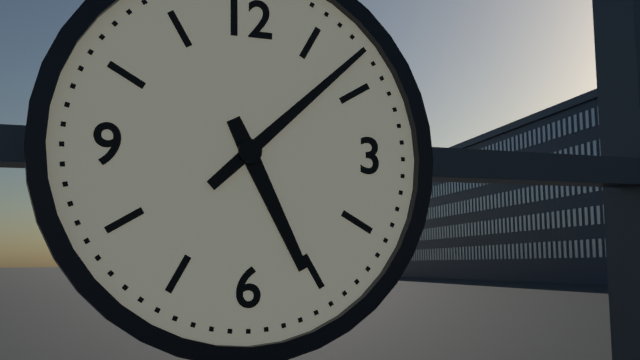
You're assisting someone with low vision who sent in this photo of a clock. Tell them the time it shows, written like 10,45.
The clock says 5,08
